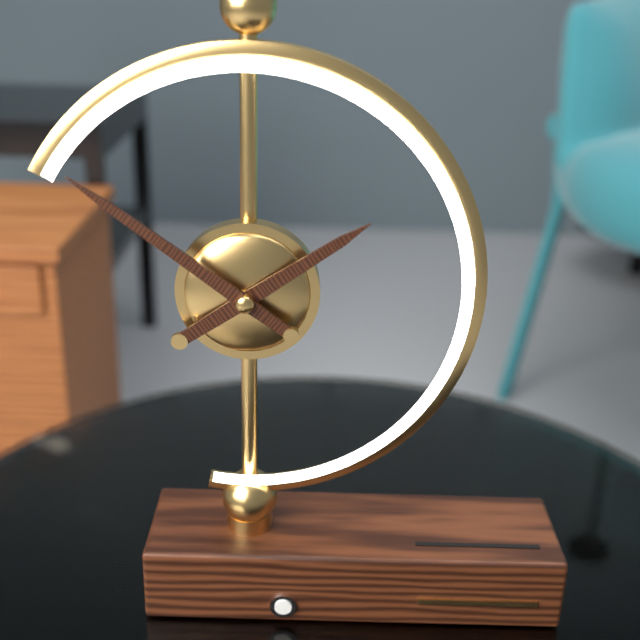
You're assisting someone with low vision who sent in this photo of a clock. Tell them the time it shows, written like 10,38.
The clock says 1,51
